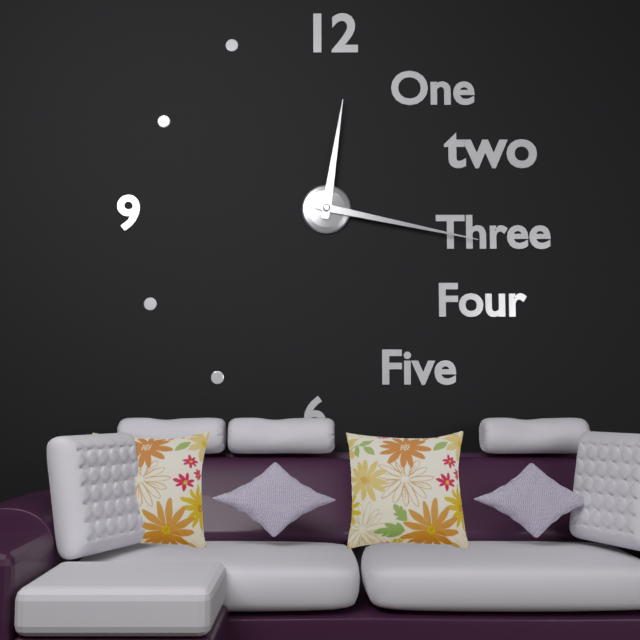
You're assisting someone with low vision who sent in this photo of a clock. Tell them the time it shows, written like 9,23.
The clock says 12,17
